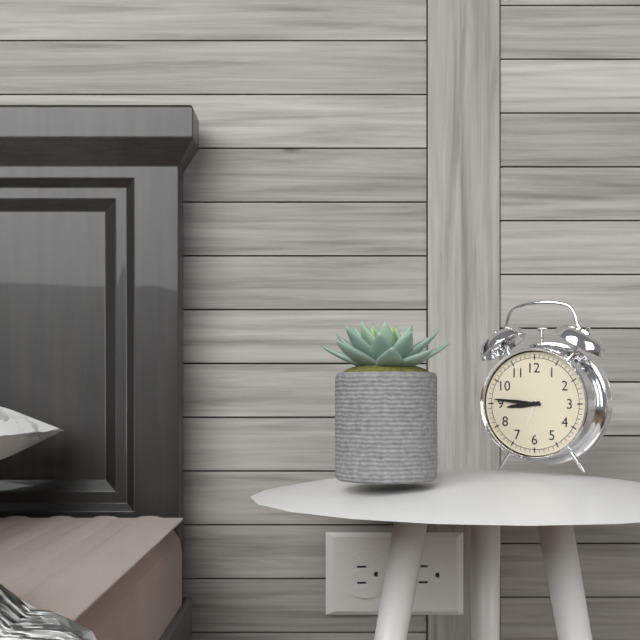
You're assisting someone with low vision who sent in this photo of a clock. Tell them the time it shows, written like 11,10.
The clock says 8,46
